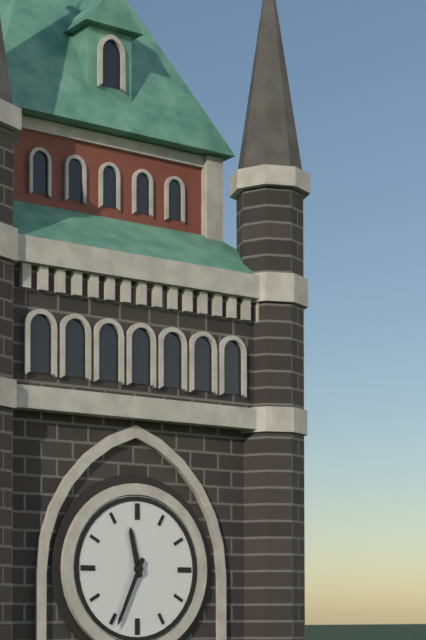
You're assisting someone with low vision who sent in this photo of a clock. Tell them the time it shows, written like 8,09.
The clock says 11,34
